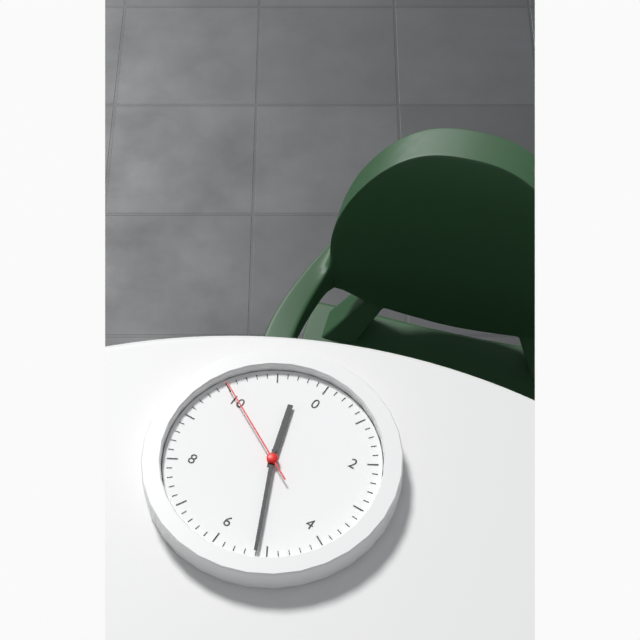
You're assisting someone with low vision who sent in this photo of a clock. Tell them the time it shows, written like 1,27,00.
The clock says 11,26,50
